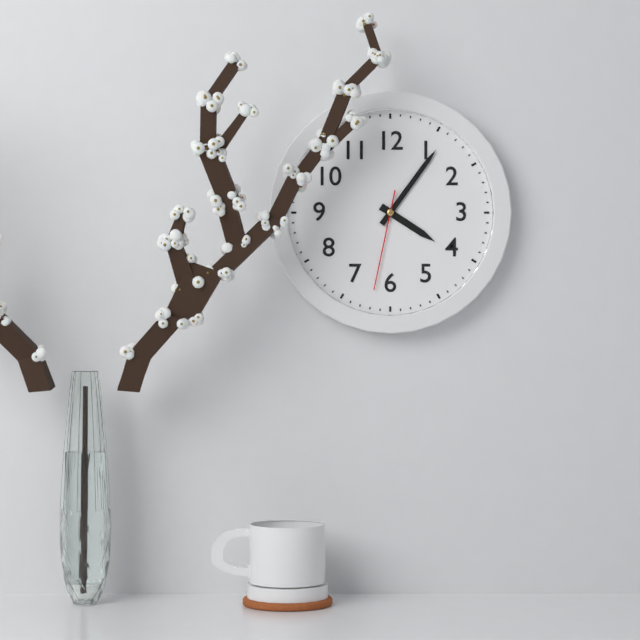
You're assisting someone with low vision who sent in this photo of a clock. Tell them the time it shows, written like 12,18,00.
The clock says 4,06,32
